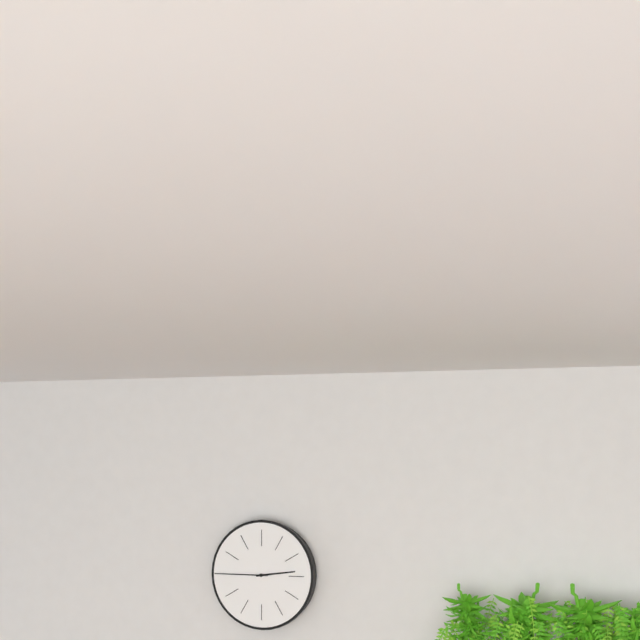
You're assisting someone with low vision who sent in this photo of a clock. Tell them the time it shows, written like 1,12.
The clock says 2,45
